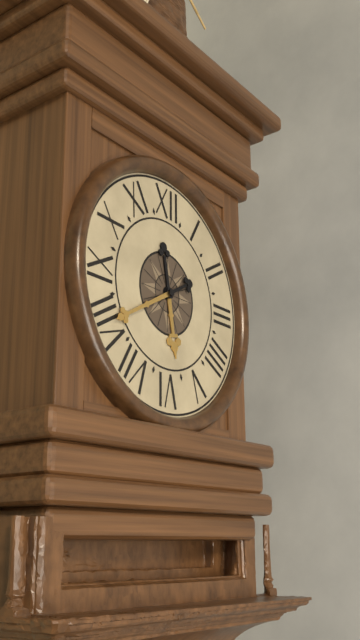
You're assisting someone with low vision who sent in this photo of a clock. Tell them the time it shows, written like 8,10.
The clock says 5,40
